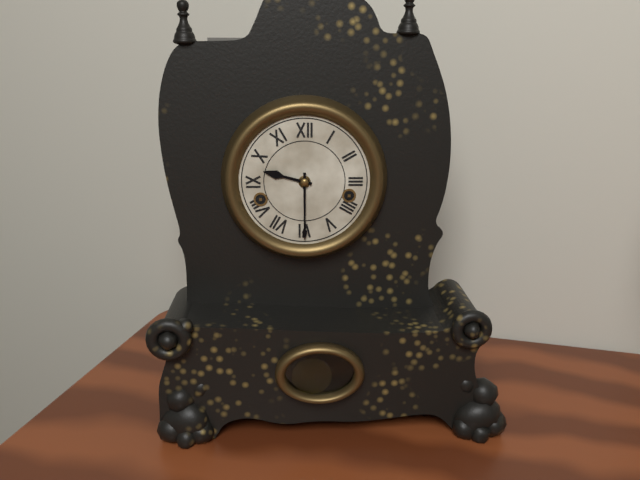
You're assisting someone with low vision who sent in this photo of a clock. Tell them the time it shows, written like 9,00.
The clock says 9,30
